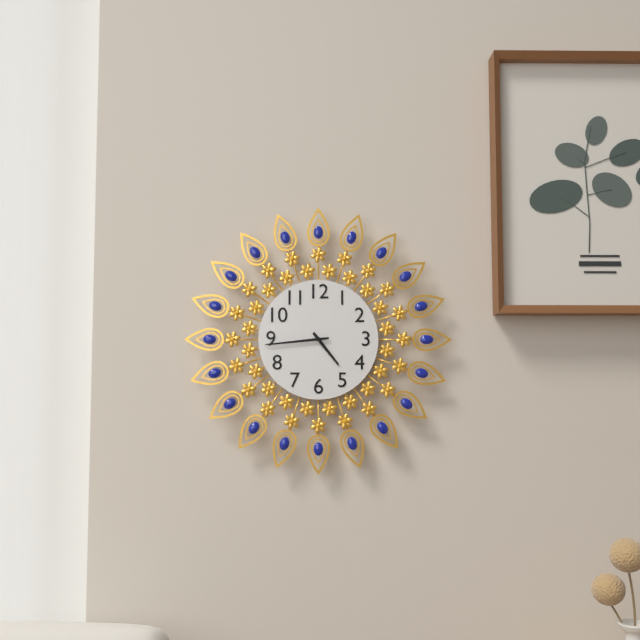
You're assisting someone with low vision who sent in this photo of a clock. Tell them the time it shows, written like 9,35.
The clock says 4,44
